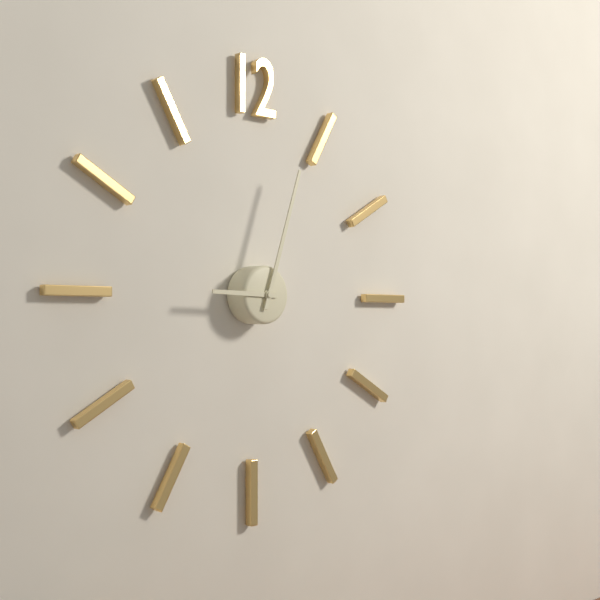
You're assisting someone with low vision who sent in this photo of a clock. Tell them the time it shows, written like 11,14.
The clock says 9,03
